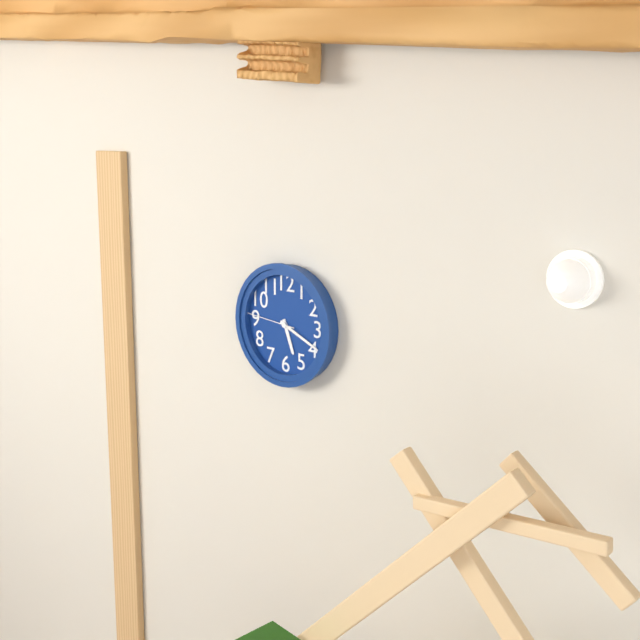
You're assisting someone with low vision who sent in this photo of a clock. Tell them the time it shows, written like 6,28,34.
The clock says 5,19,46
